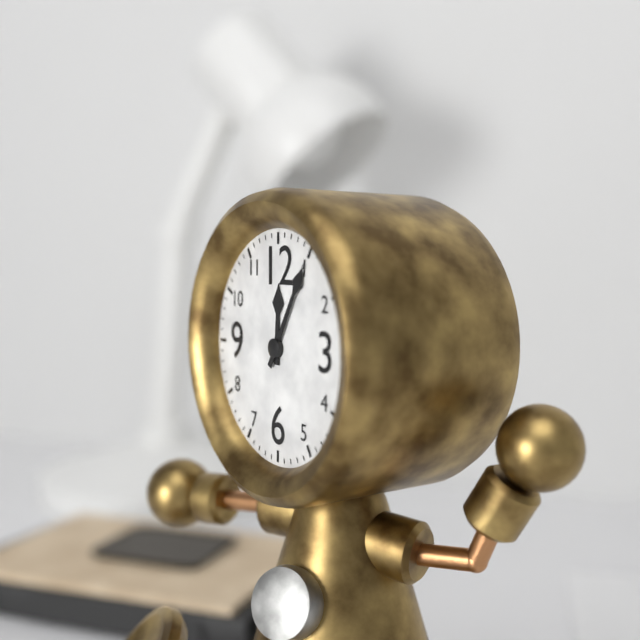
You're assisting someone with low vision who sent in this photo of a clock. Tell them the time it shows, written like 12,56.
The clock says 12,05
